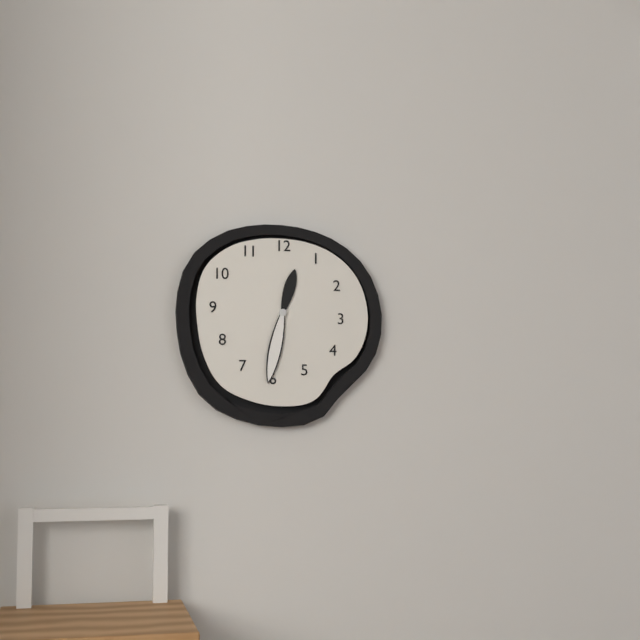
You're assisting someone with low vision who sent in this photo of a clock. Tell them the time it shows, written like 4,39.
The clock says 12,32
